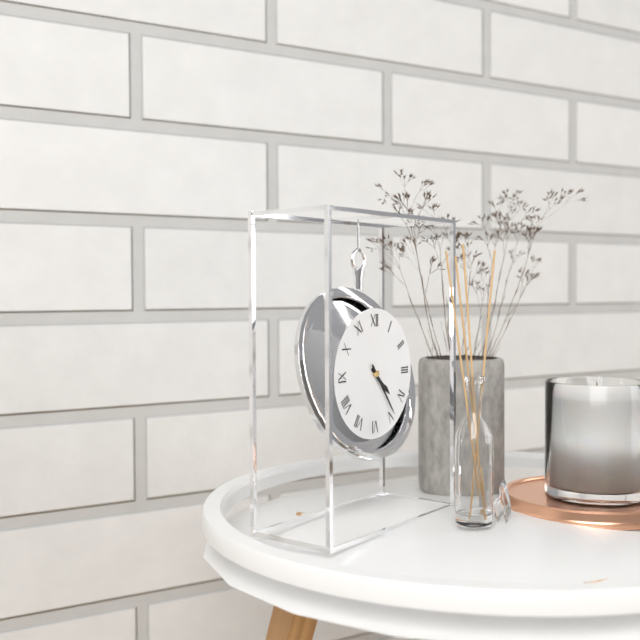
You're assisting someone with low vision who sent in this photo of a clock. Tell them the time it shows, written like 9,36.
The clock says 4,24
